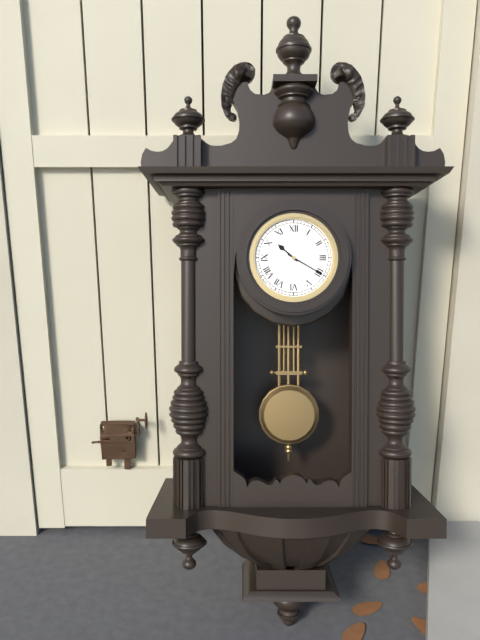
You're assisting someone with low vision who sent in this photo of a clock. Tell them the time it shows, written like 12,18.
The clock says 10,20
